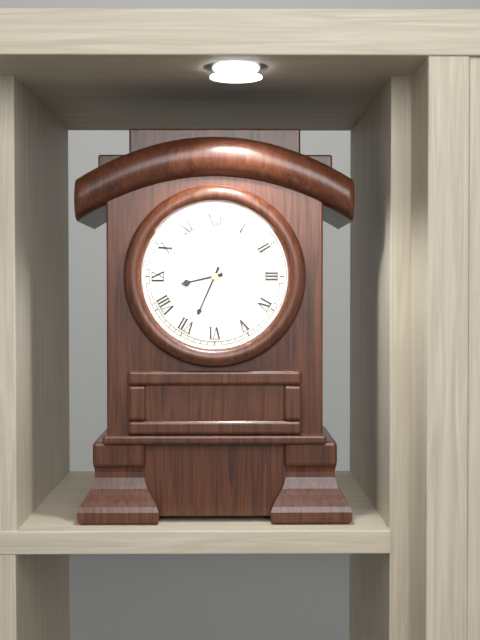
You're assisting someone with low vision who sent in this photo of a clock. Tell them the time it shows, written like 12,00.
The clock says 8,34
